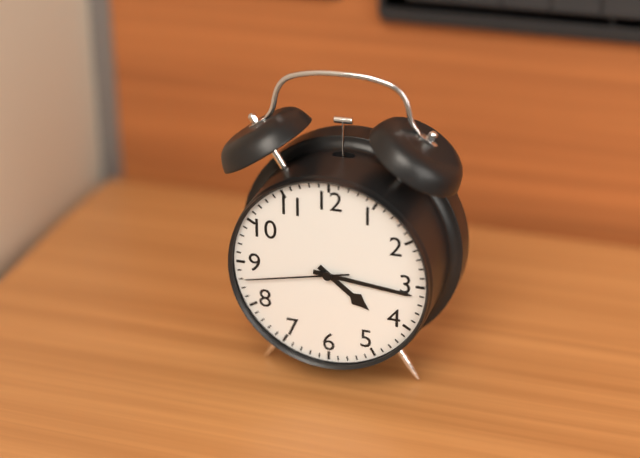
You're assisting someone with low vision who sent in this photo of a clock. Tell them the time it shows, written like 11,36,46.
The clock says 4,16,43
